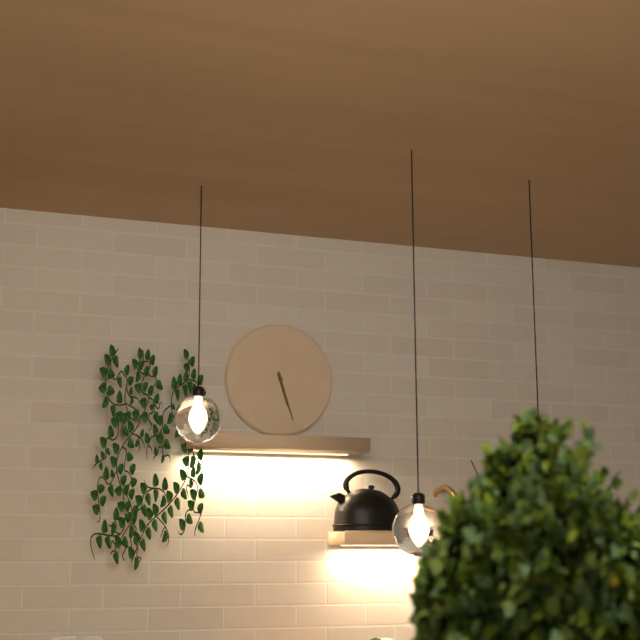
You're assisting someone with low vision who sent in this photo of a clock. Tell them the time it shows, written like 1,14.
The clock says 5,27
